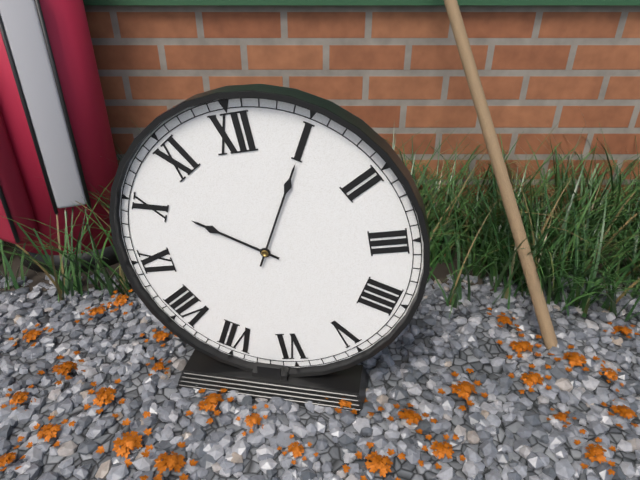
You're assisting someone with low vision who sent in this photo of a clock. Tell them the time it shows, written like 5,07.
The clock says 10,05
